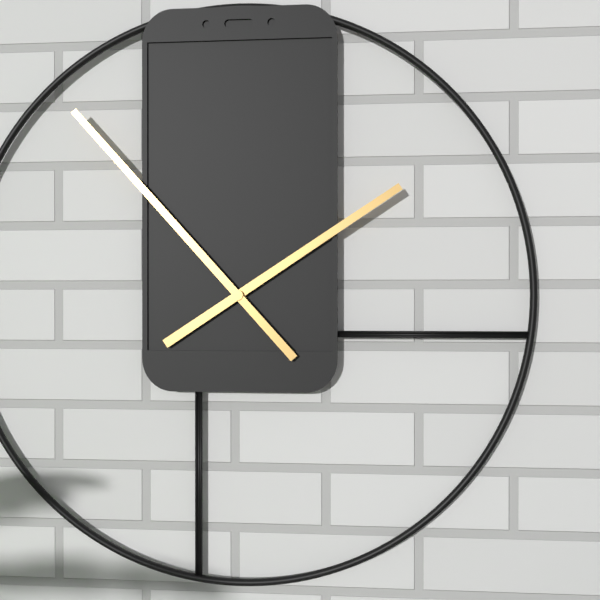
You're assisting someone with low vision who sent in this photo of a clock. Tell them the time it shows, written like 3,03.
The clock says 1,53
